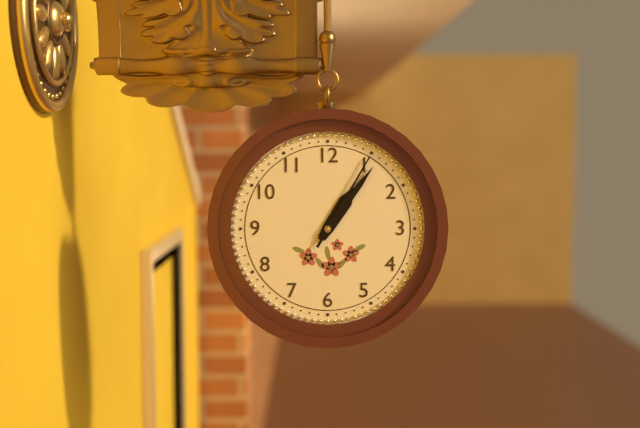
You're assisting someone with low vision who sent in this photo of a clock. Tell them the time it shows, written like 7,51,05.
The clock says 1,06,05
